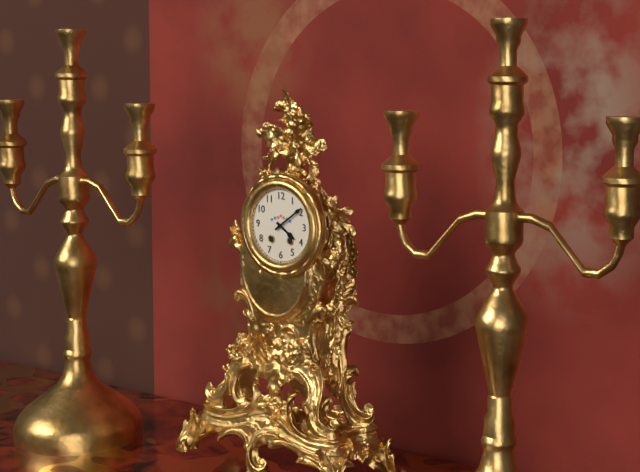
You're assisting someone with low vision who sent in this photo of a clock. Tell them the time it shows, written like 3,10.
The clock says 4,09
